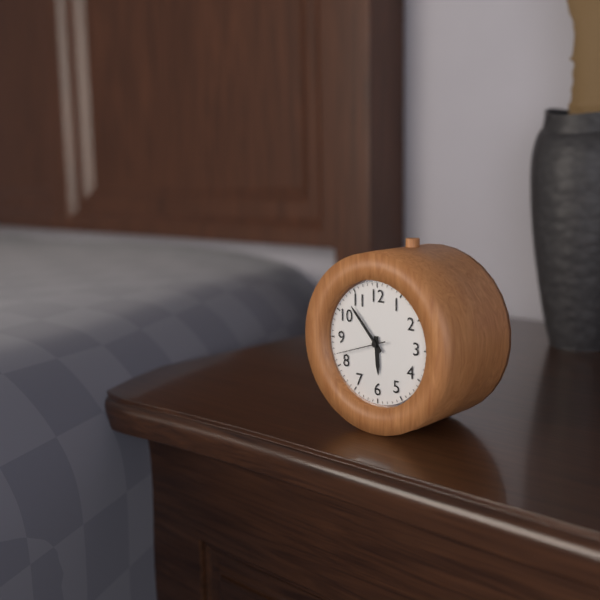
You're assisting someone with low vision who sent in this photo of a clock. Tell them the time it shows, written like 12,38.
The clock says 5,53
